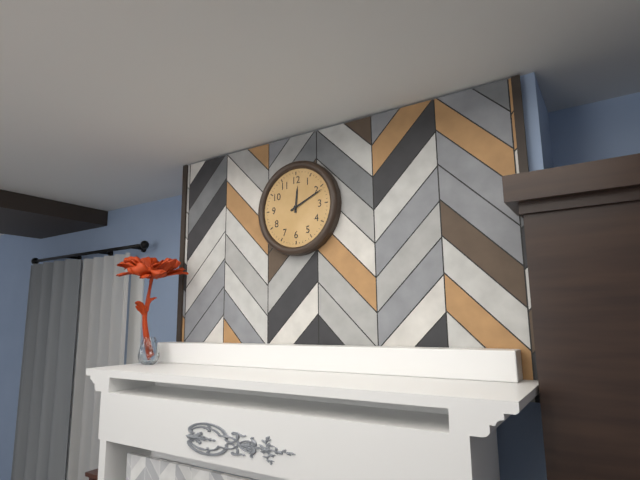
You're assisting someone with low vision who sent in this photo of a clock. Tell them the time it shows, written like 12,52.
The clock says 12,11
